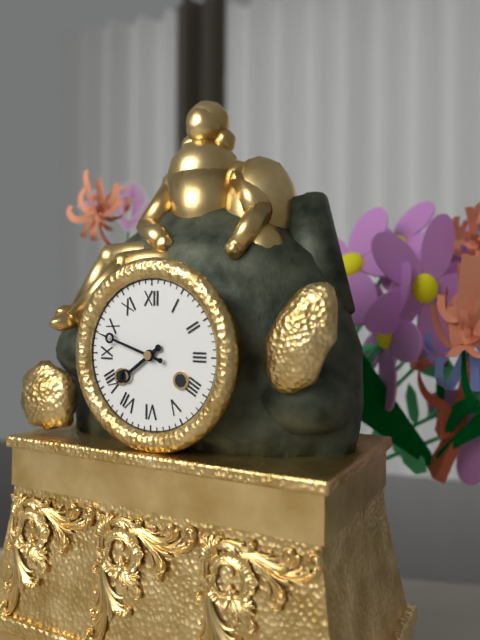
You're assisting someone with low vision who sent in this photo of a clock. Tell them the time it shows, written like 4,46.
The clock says 7,48
